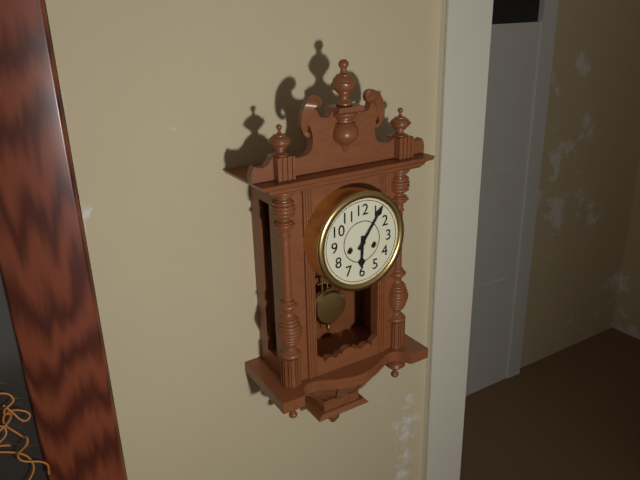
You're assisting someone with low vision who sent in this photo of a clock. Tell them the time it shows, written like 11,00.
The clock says 6,06
